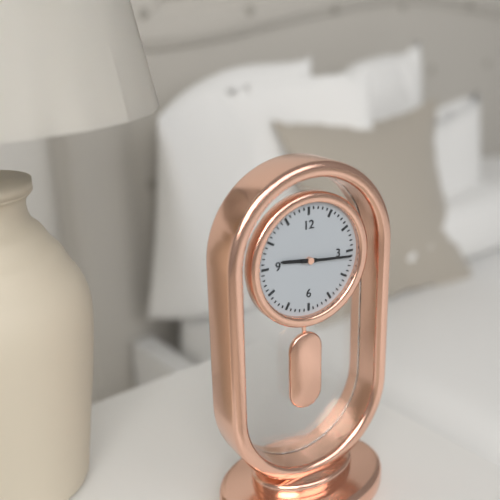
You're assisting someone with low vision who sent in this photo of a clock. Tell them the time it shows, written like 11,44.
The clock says 9,16
